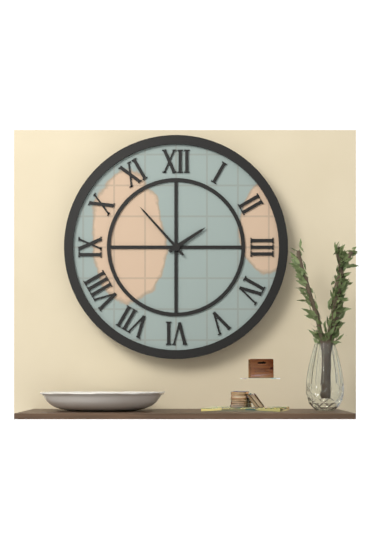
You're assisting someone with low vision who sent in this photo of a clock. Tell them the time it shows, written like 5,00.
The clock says 1,53
